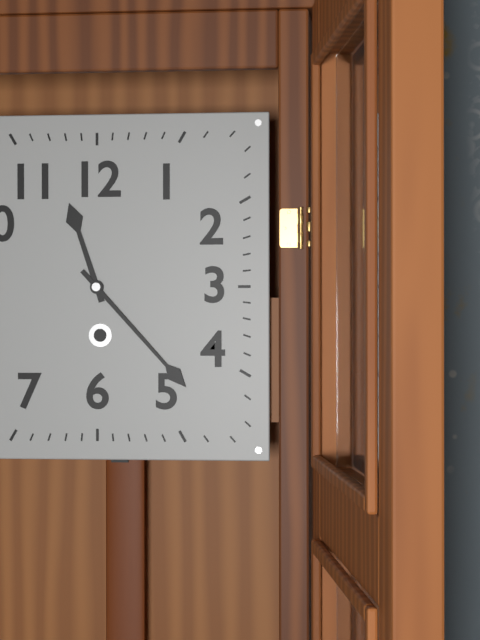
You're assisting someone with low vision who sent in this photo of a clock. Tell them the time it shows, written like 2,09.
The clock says 11,23
